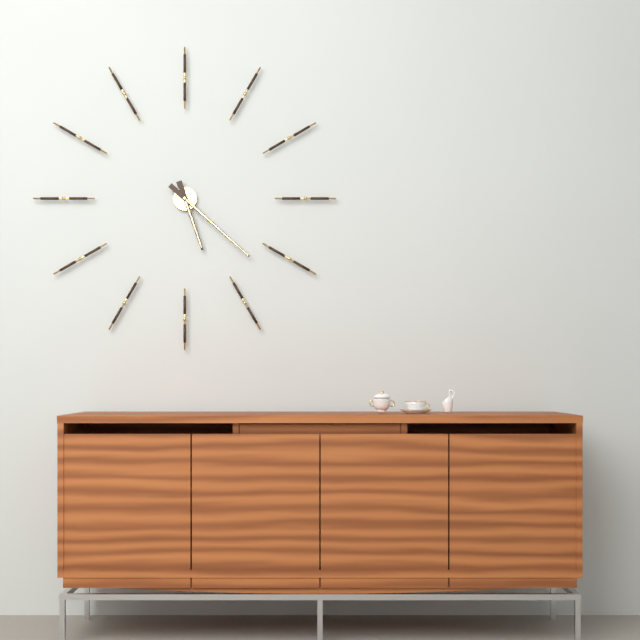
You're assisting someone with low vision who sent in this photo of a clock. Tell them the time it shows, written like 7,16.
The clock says 5,22
